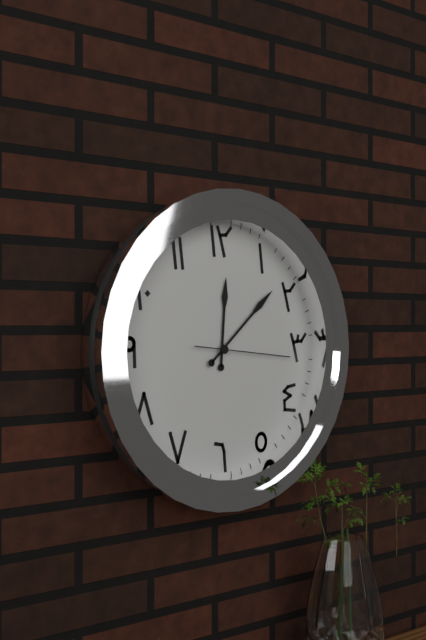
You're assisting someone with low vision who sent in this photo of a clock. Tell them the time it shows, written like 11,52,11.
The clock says 12,08,16
